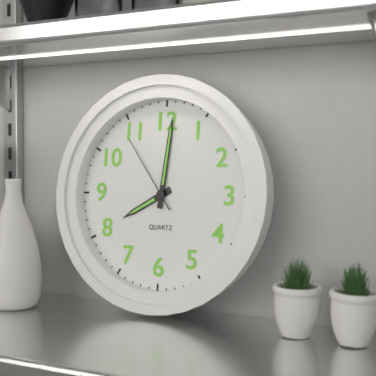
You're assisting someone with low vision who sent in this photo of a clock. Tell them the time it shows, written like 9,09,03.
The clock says 8,01,54
